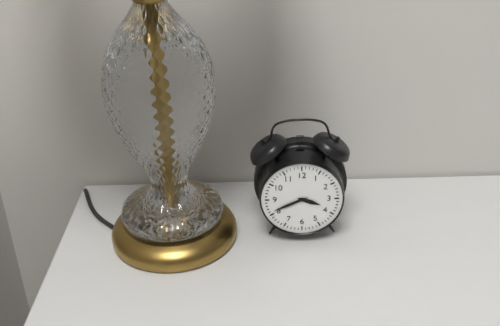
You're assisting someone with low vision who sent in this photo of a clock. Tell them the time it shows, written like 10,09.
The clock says 3,41
